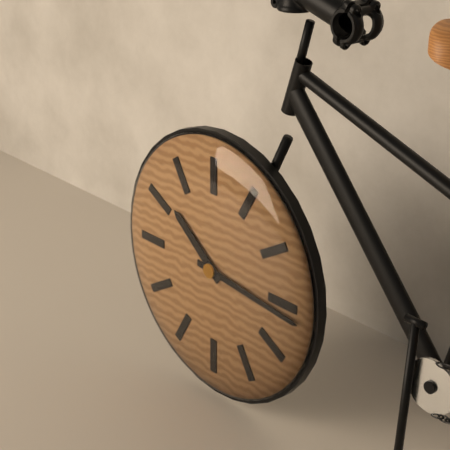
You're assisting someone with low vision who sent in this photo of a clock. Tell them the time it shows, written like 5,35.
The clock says 10,16
